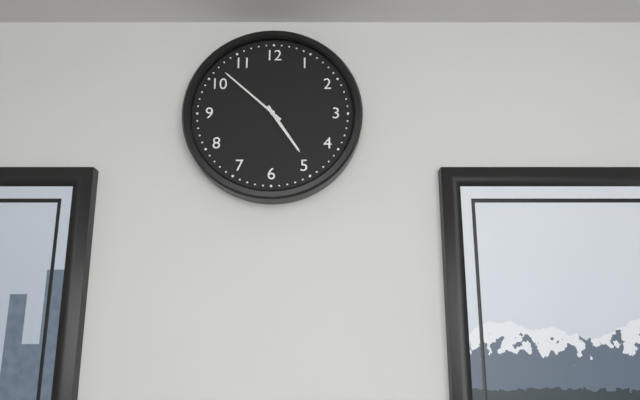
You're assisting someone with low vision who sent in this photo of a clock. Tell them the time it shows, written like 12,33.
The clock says 4,52
